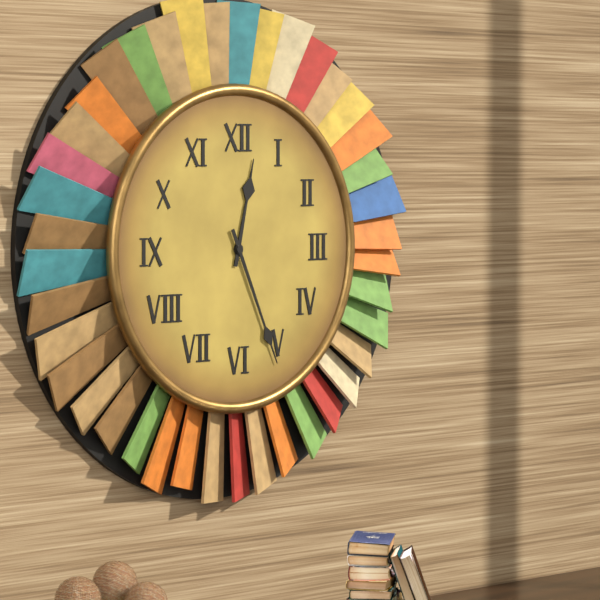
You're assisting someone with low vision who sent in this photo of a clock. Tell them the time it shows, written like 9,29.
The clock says 12,26
